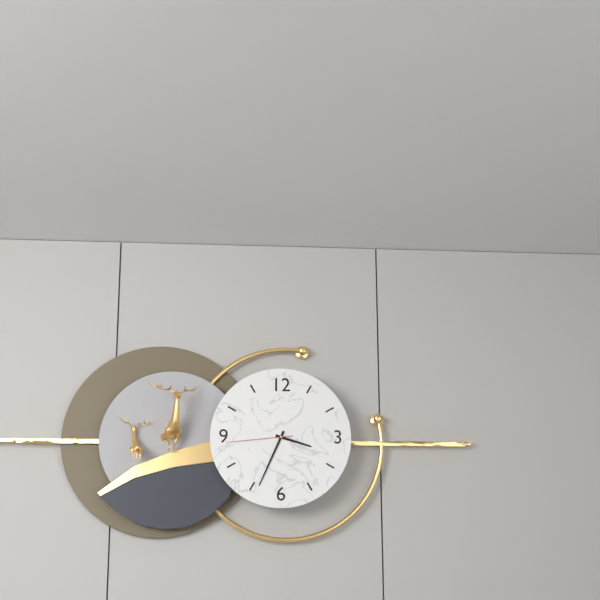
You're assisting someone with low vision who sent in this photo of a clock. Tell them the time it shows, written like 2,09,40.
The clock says 3,34,44
